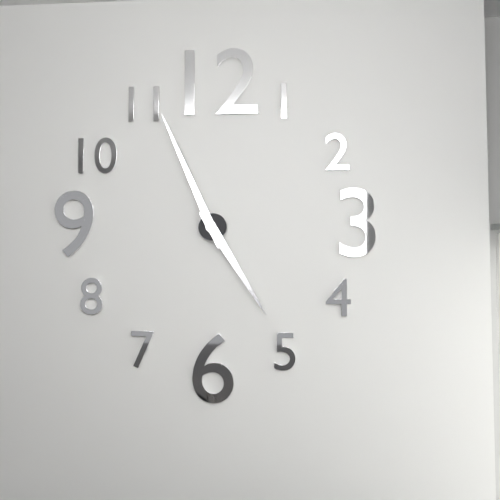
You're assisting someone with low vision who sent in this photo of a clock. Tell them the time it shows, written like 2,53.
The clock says 4,56
